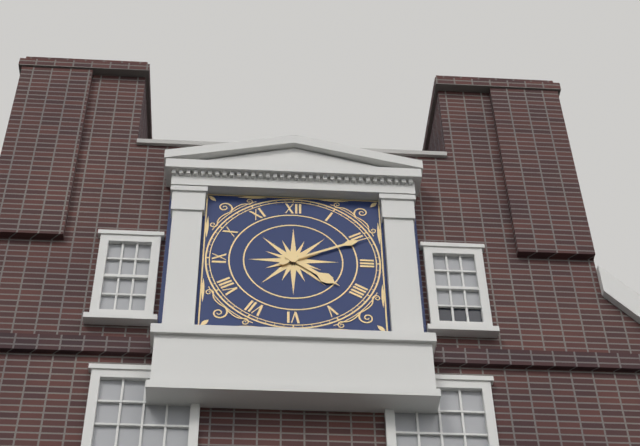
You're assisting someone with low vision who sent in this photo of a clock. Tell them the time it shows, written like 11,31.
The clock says 4,11
